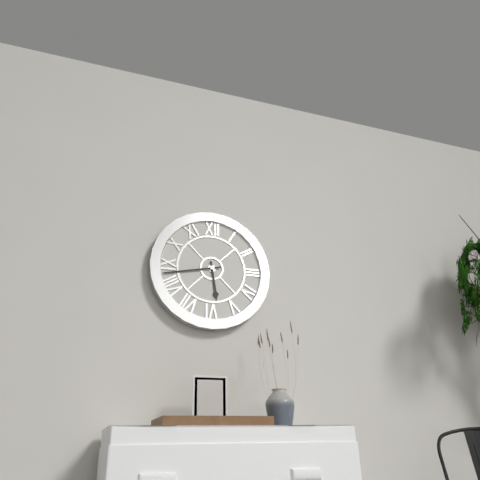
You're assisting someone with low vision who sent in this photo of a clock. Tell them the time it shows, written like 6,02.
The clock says 5,43
